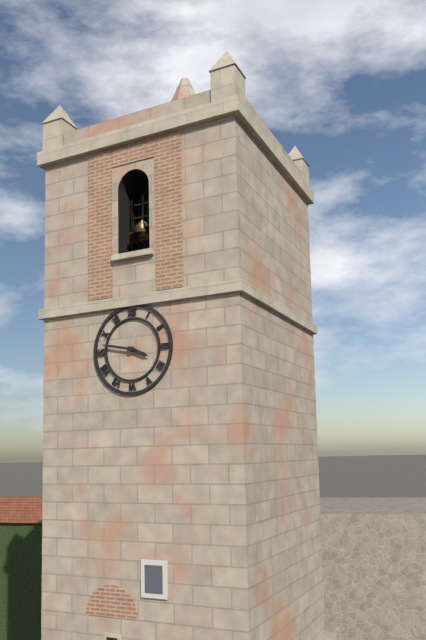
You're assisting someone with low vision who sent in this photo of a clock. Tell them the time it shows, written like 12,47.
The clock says 3,47
